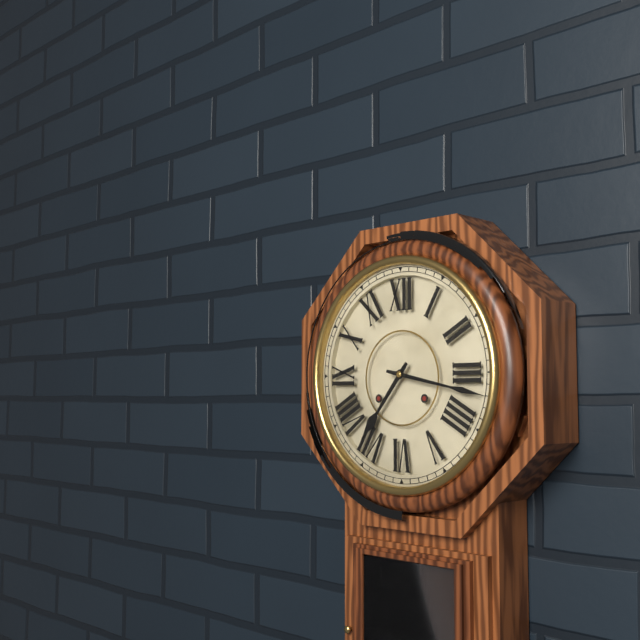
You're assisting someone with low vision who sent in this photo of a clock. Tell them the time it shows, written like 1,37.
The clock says 7,17
